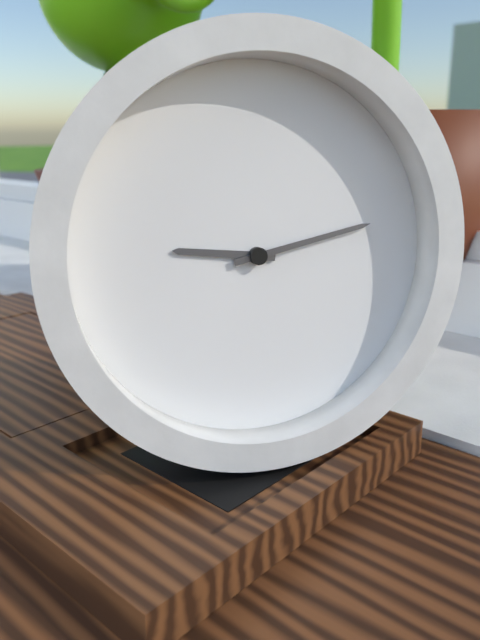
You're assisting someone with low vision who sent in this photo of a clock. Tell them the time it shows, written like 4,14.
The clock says 9,13
